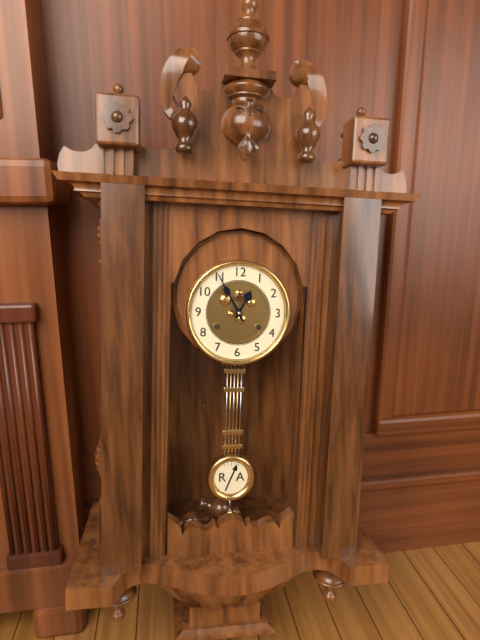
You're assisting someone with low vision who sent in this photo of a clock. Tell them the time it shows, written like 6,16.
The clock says 12,55
